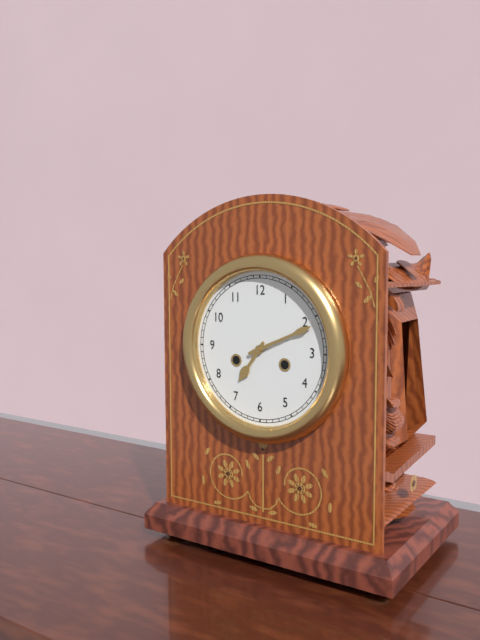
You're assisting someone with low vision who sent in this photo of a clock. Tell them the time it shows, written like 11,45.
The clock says 7,11
